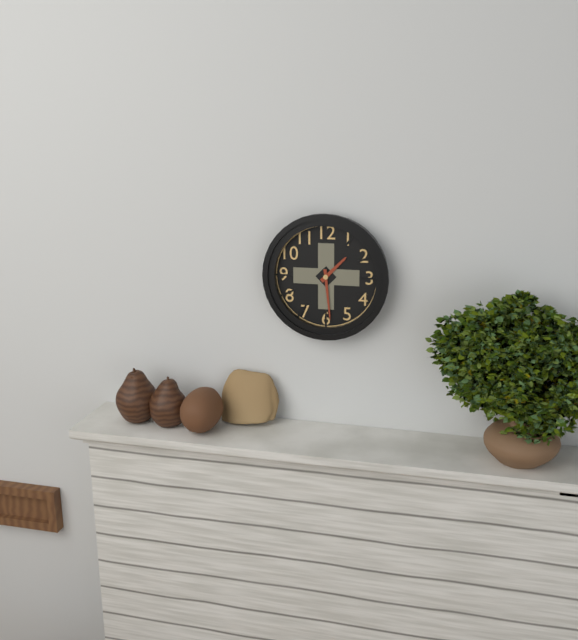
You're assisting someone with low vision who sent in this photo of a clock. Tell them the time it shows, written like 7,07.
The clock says 1,29
